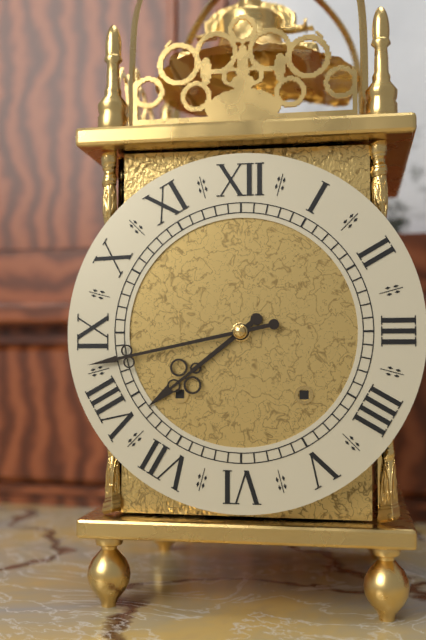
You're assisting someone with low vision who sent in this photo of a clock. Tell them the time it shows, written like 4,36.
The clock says 7,43
